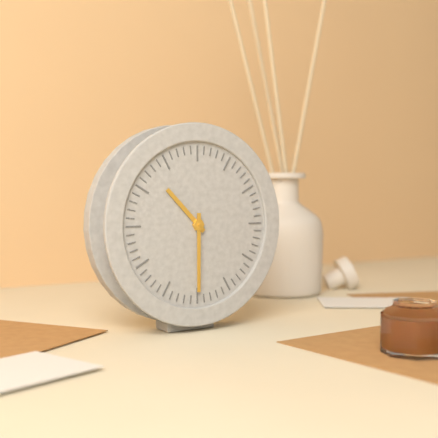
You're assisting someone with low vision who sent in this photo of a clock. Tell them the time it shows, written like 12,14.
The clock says 10,30
